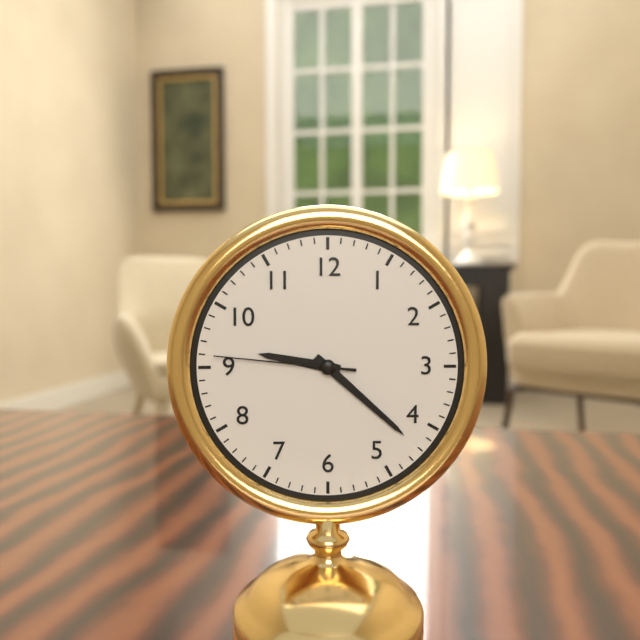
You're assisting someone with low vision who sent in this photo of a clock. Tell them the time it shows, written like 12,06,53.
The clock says 9,22,46
